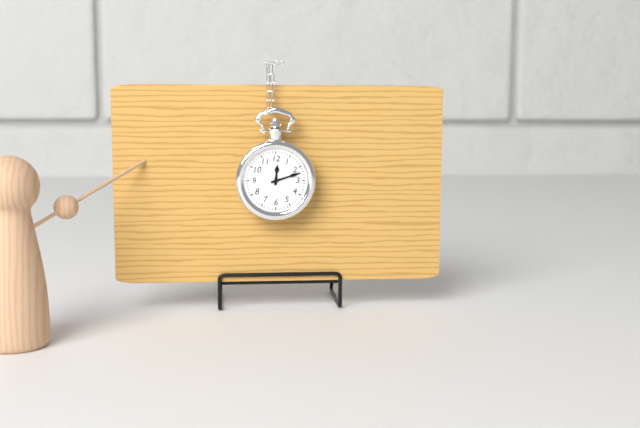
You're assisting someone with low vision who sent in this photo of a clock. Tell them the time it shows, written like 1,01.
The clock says 12,12
